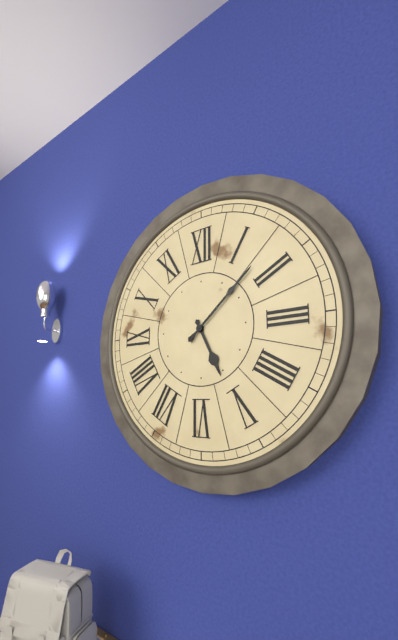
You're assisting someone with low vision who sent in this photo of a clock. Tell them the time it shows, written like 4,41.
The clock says 5,08
